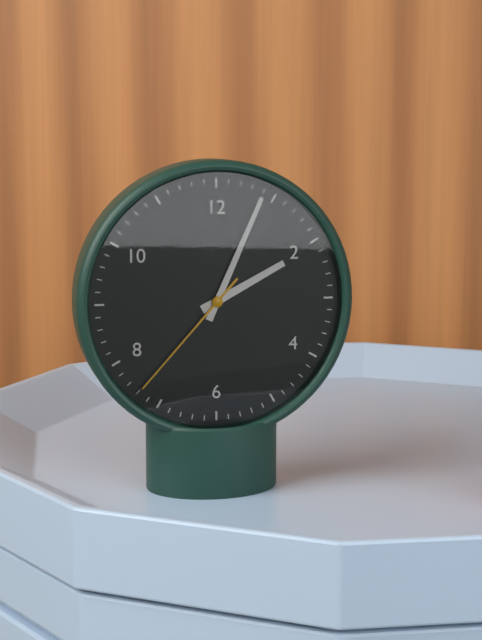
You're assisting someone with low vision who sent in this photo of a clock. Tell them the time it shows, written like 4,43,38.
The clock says 2,04,37
